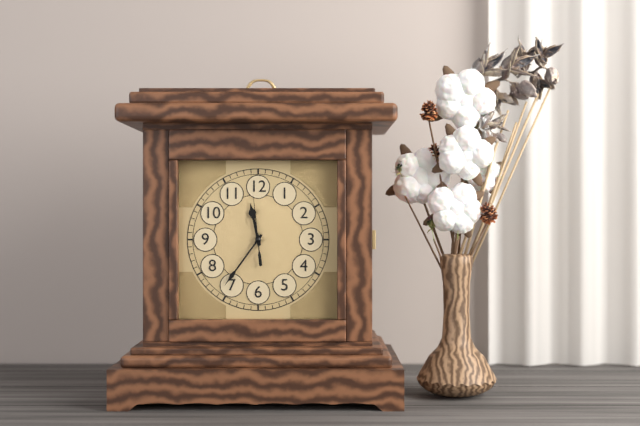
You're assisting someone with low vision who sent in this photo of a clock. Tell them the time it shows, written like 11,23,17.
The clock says 11,36,59
